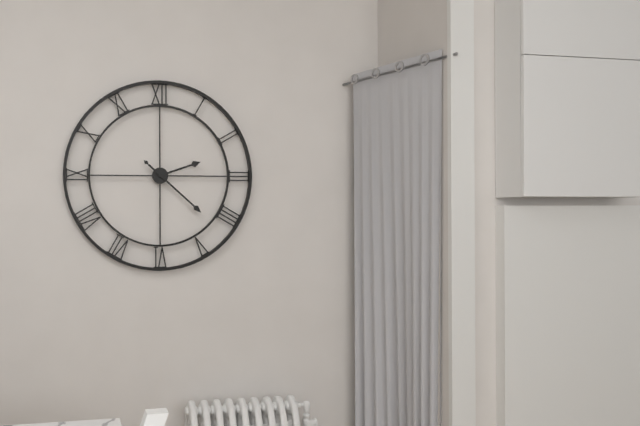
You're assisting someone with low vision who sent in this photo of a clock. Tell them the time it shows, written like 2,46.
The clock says 2,22
